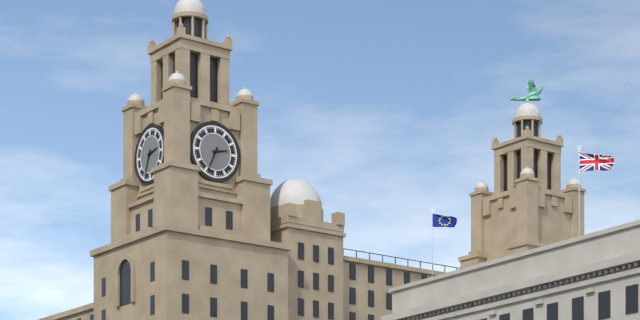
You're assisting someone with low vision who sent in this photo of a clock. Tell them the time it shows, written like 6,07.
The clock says 2,34
